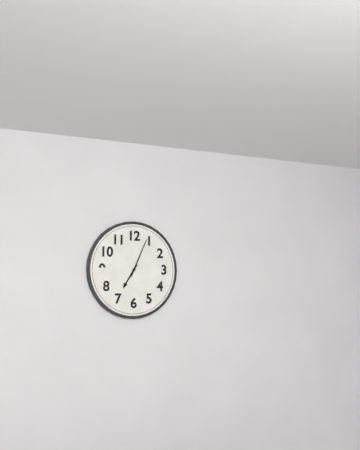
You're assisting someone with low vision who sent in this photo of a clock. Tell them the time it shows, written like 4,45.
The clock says 7,04
